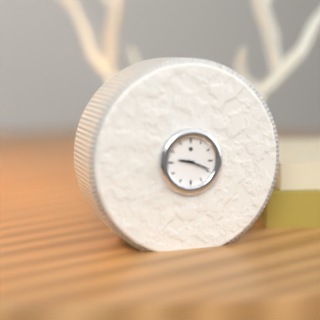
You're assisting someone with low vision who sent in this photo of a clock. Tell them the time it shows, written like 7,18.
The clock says 9,19
